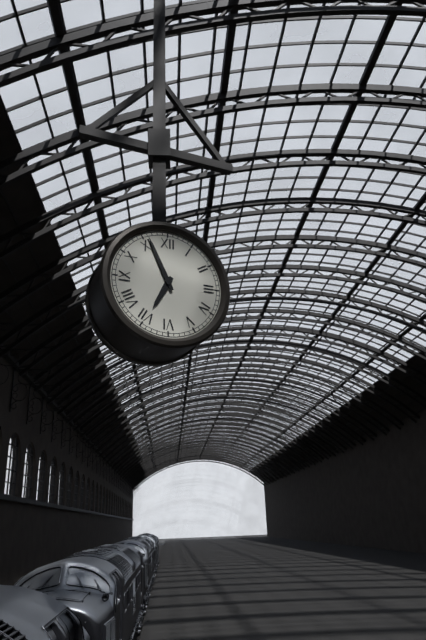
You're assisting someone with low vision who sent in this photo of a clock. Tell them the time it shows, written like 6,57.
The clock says 6,56
